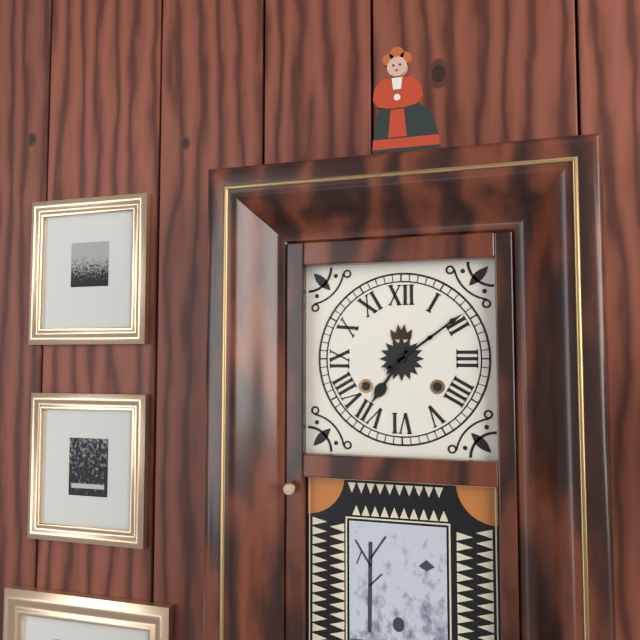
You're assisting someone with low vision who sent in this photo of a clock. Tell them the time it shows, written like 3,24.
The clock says 7,09
